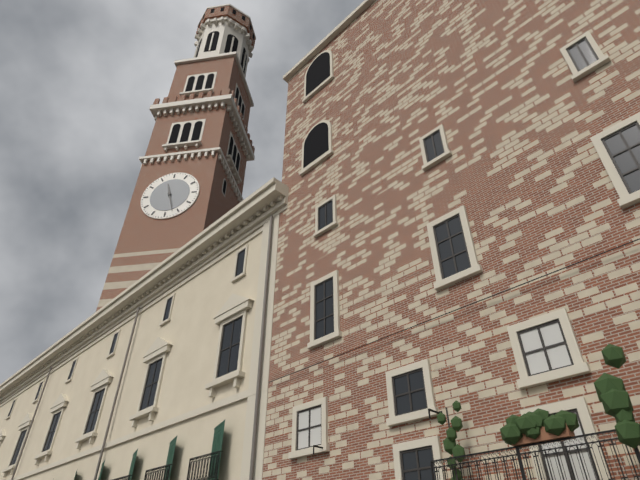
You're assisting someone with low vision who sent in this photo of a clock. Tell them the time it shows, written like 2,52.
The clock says 11,27
